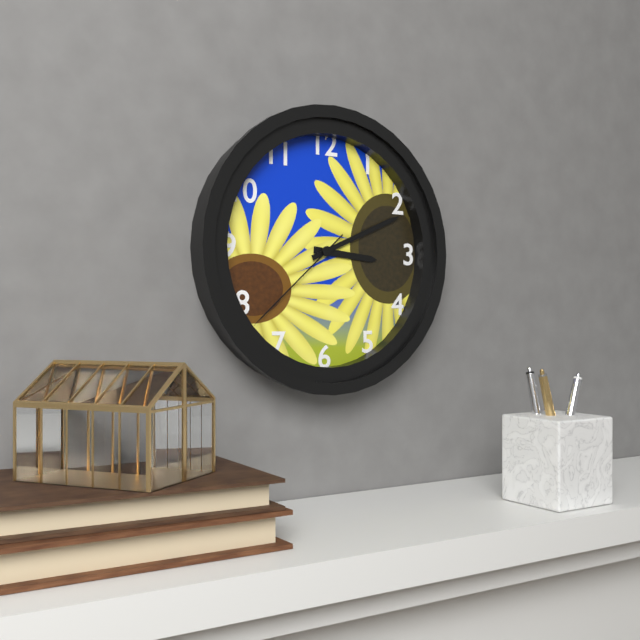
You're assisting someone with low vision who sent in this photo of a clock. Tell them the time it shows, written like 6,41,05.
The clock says 3,11,38
